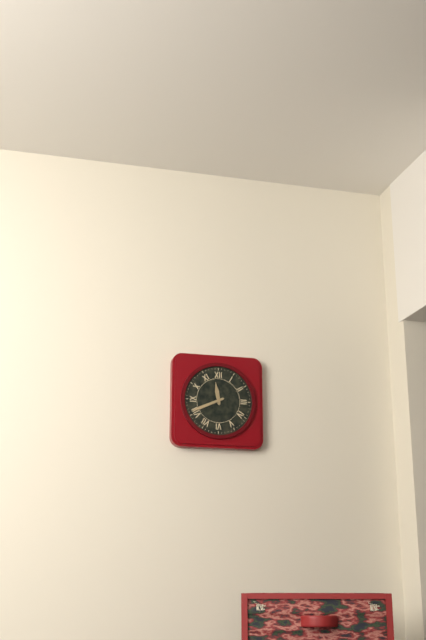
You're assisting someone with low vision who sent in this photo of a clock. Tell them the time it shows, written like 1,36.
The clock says 11,41
